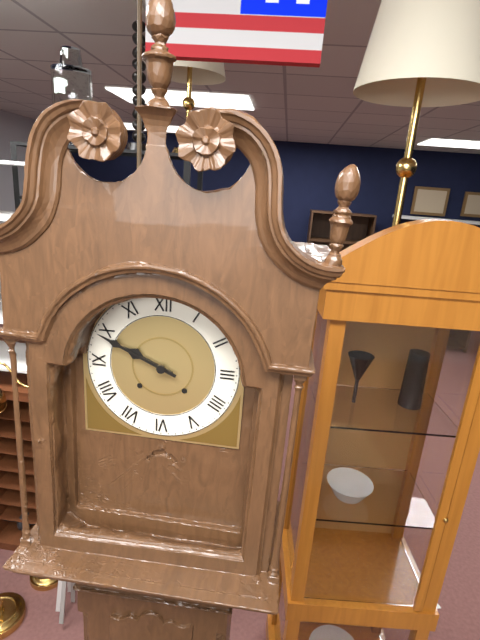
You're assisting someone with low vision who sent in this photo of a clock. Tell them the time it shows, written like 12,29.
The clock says 9,49
